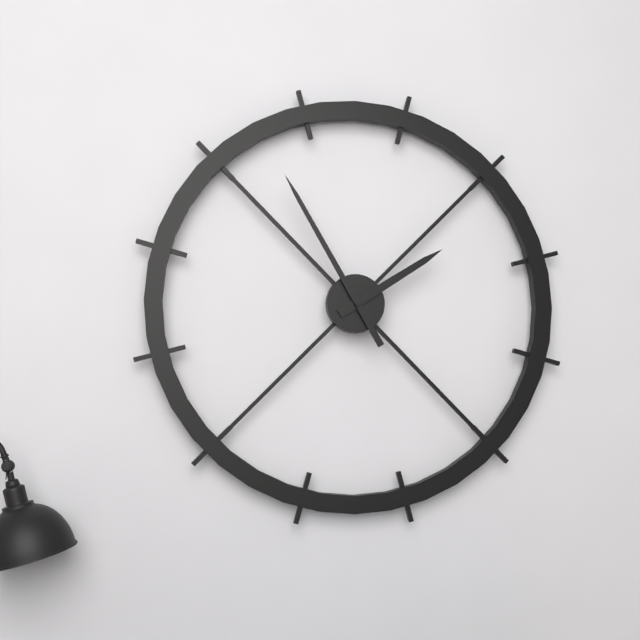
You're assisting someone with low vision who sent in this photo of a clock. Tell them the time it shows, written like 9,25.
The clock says 1,55
